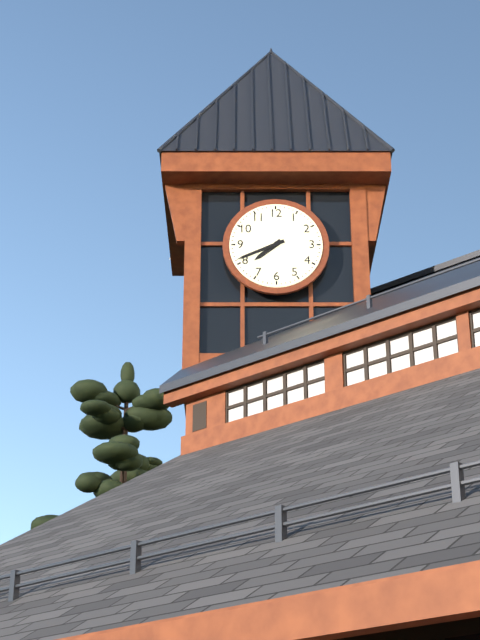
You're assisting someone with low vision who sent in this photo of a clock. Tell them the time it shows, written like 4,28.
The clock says 7,41
